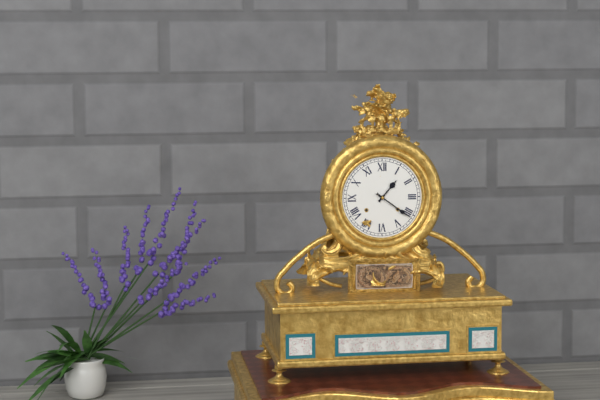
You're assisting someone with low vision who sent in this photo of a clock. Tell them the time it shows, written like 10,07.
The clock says 1,21
